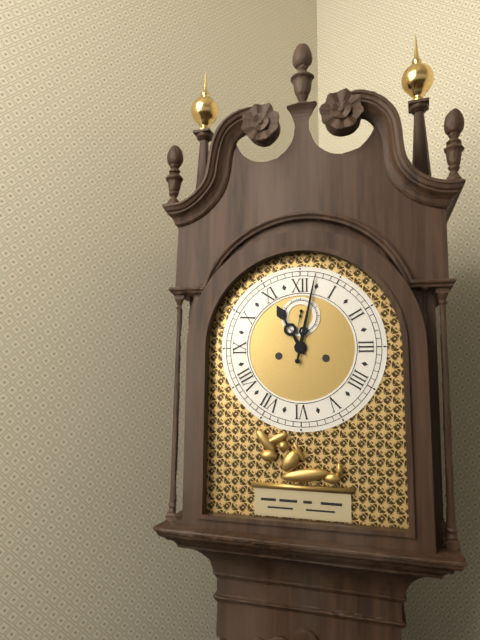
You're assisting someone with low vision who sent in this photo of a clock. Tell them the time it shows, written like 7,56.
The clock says 11,02
